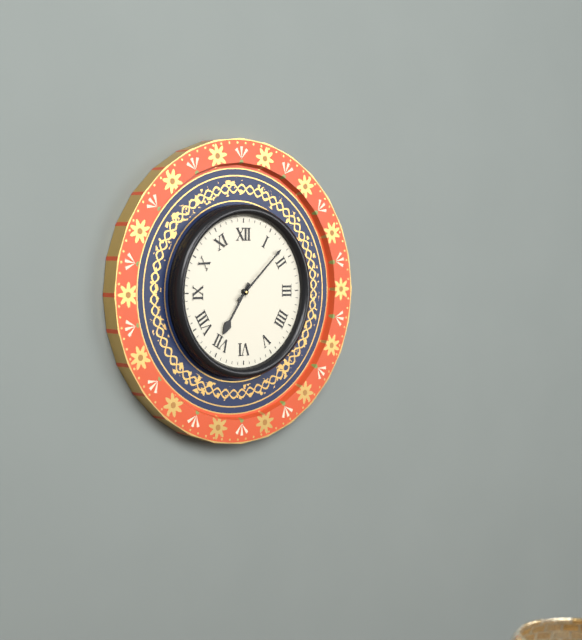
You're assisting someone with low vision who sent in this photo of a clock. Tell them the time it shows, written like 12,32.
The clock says 7,08
